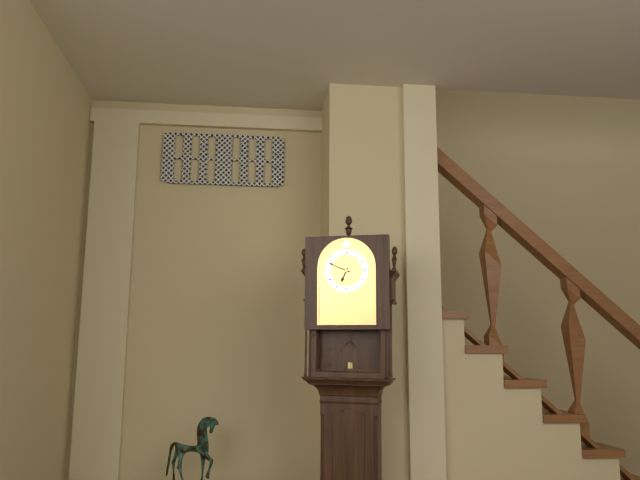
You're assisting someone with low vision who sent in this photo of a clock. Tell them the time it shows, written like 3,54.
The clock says 6,49
